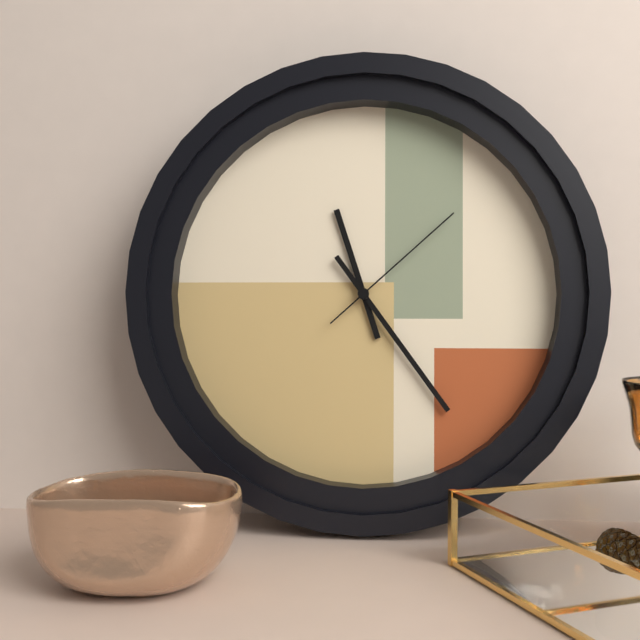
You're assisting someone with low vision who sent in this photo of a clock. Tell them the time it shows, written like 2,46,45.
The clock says 11,24,08
